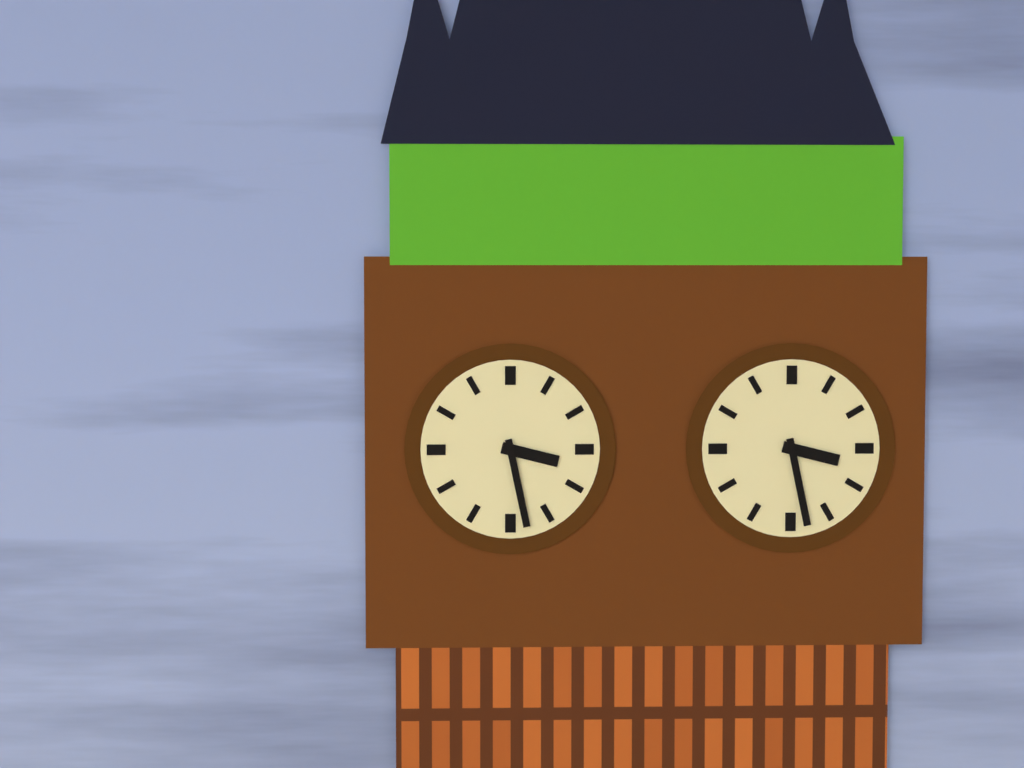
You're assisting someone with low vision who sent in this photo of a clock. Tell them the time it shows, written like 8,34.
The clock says 3,28
